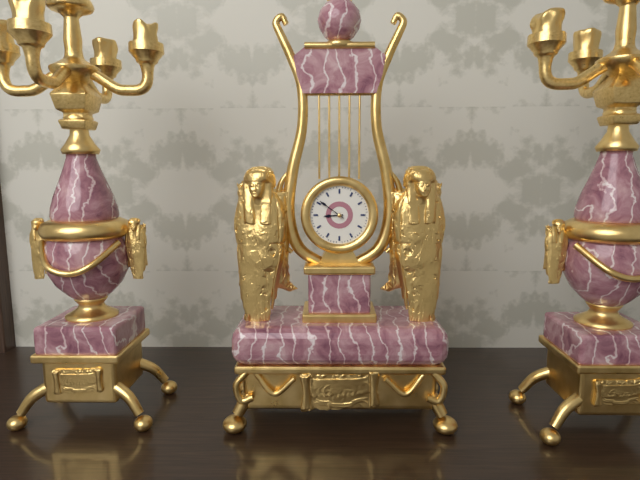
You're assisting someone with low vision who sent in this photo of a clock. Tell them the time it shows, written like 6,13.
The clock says 8,51
